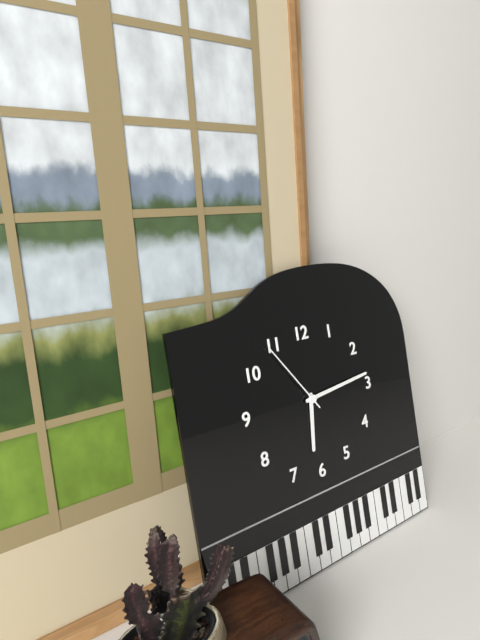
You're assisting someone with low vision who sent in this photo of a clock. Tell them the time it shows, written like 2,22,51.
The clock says 6,14,54
